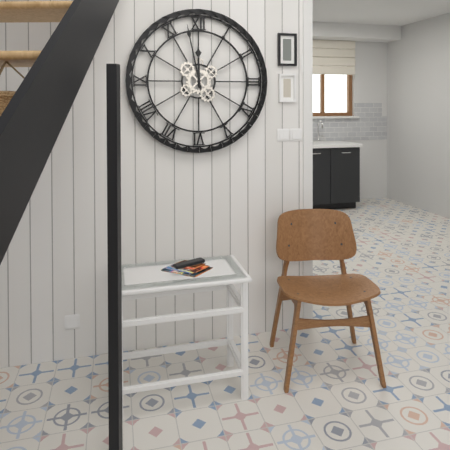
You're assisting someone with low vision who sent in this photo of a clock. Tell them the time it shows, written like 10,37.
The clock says 11,58
